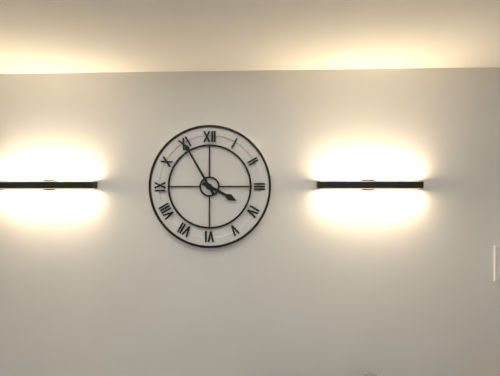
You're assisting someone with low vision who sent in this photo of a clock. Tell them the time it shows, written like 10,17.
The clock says 3,55
